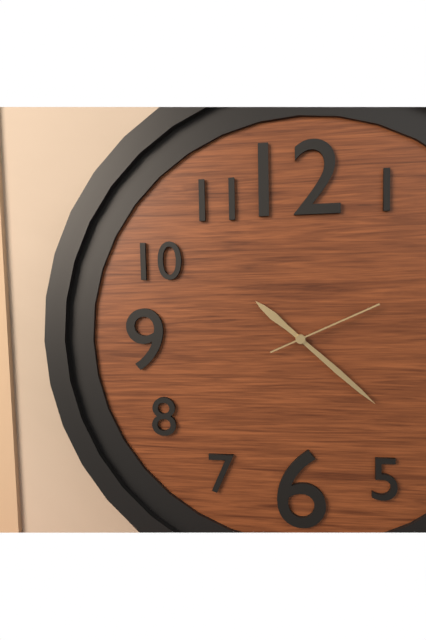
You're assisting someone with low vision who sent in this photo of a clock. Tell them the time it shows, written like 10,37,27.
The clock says 10,22,11
